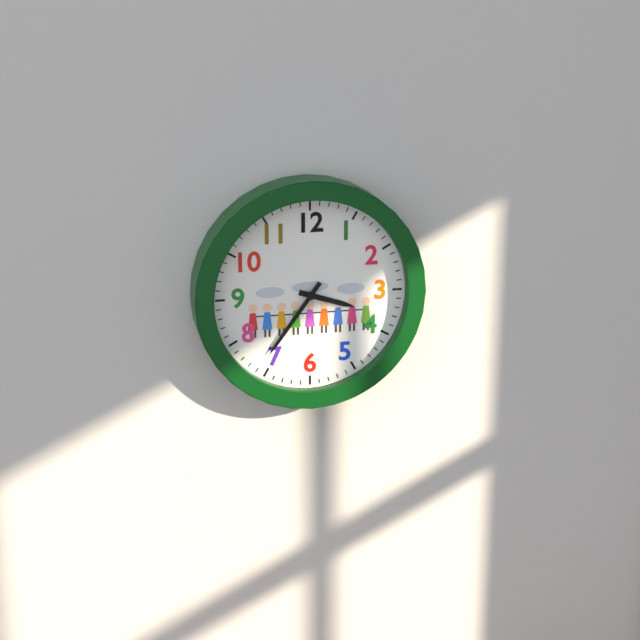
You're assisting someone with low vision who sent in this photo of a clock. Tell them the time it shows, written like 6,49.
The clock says 3,36
